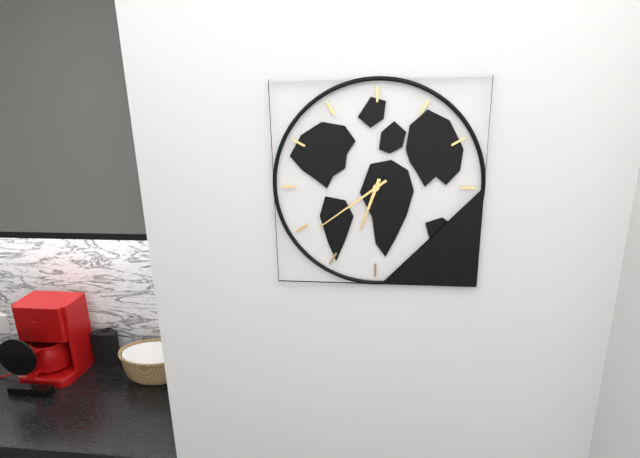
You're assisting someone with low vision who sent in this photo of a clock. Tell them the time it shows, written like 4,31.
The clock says 6,39
